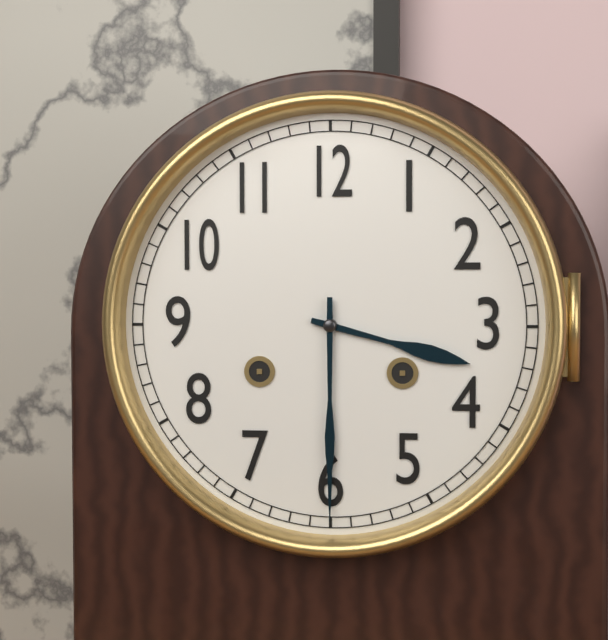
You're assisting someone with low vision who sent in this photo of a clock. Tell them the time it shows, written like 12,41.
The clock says 3,30
